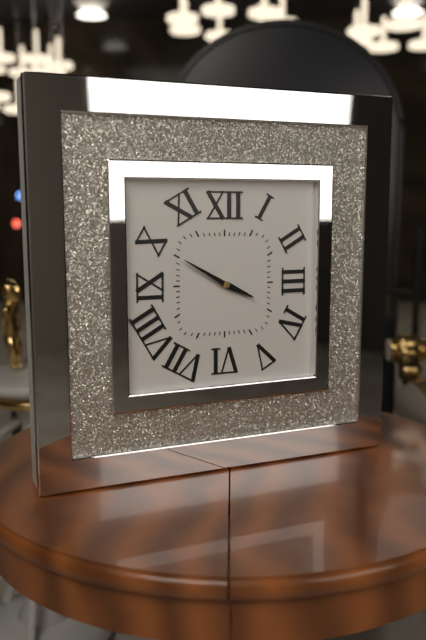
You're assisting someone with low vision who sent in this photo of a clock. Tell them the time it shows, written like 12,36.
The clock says 3,50
